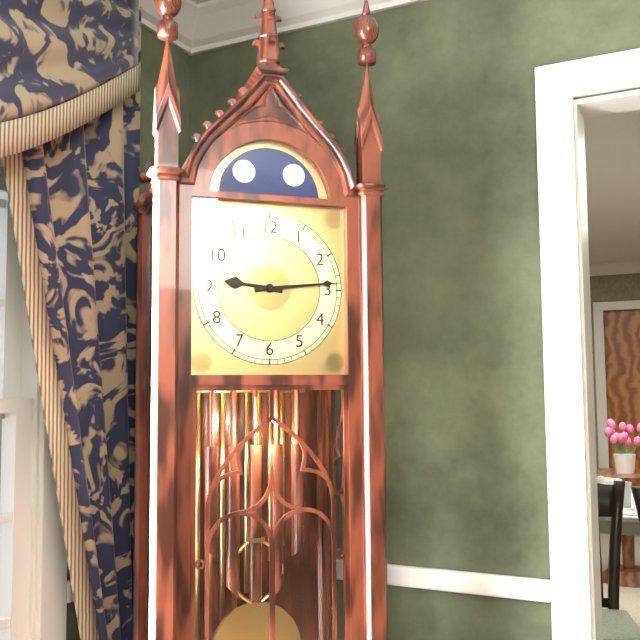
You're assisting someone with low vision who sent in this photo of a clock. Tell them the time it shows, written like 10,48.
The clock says 9,14
